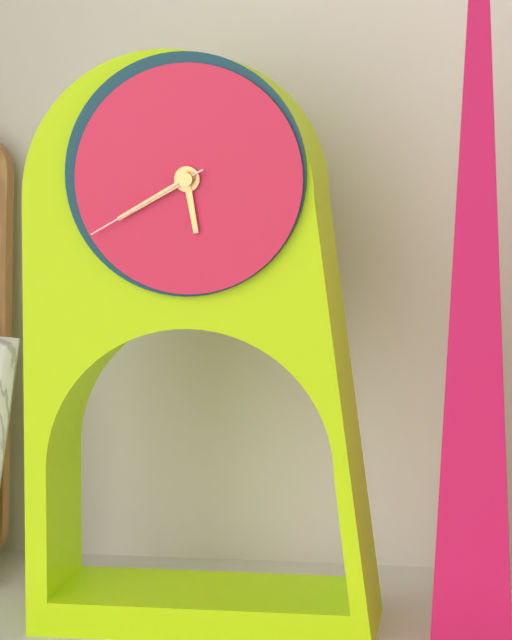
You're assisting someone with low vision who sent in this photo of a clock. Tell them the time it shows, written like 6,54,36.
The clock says 5,40,40
